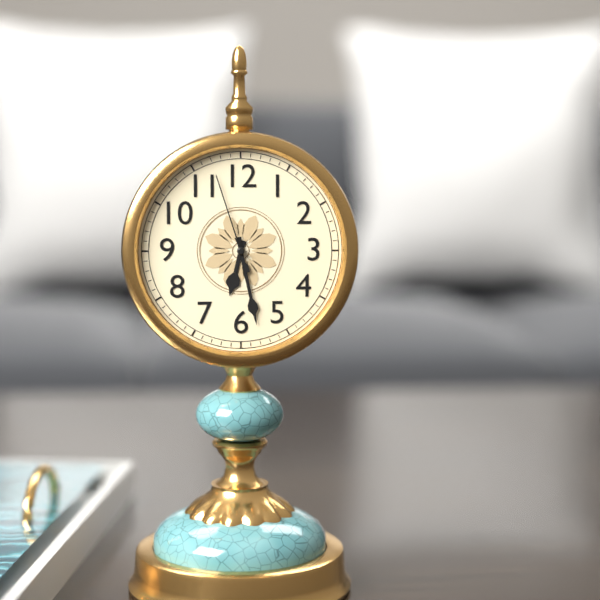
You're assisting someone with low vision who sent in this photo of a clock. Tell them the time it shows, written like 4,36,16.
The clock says 6,28,57
